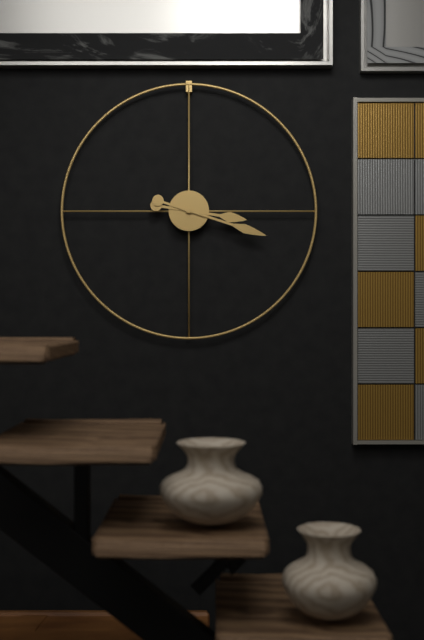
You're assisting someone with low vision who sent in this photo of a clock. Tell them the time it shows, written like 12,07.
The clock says 3,18
